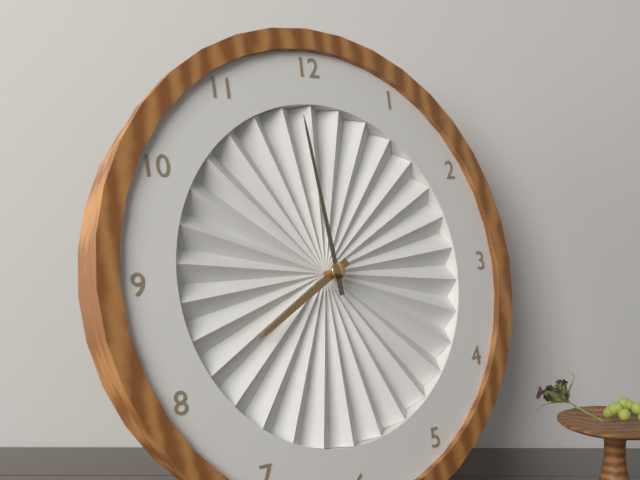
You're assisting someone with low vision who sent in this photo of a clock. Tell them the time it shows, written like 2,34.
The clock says 7,59
